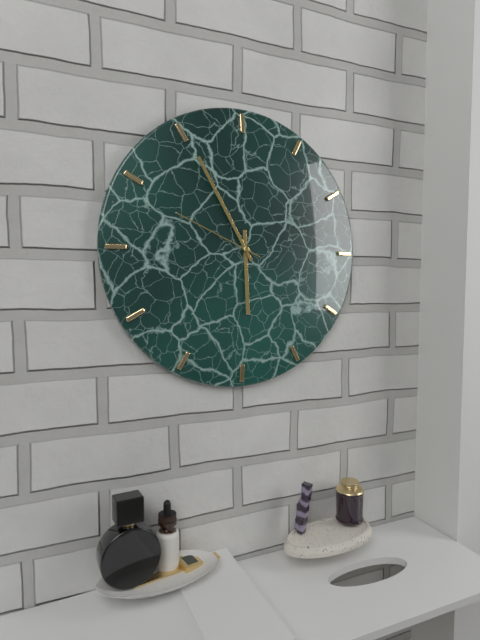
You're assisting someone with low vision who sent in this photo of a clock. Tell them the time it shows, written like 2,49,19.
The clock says 5,55,49
